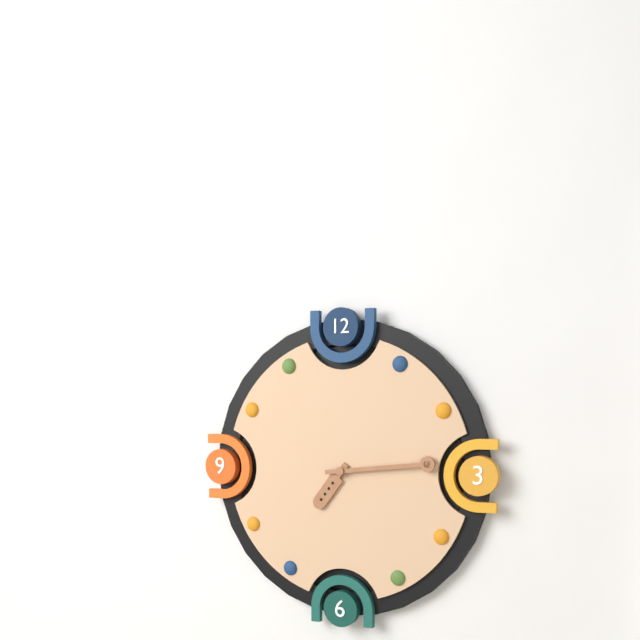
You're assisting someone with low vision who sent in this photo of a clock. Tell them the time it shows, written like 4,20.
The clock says 7,14
